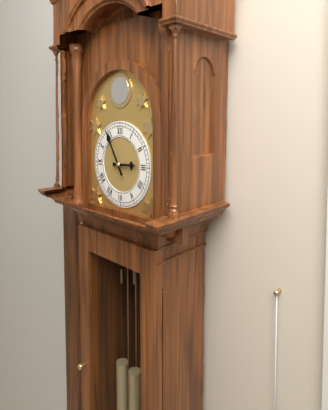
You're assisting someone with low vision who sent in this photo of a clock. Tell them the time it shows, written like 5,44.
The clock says 2,55
